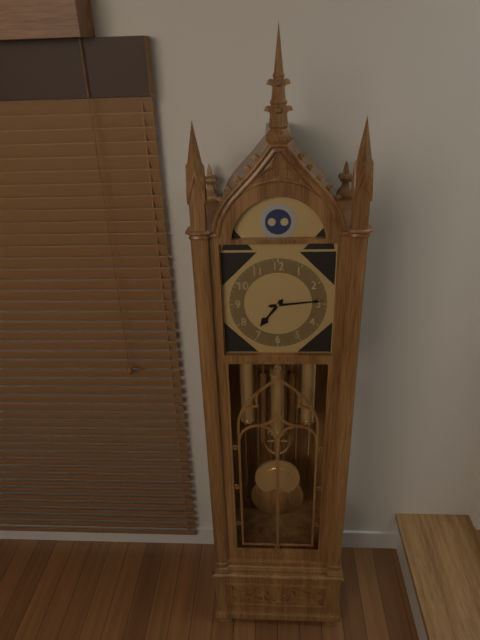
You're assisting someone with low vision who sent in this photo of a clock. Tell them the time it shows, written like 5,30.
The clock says 7,14
